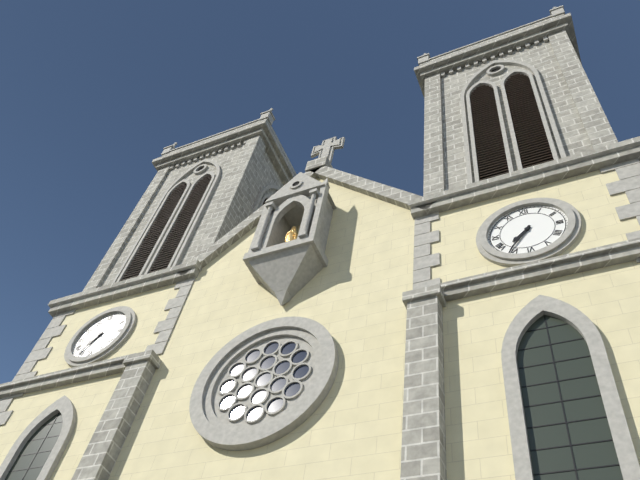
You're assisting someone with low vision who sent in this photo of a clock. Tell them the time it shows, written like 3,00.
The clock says 7,36
